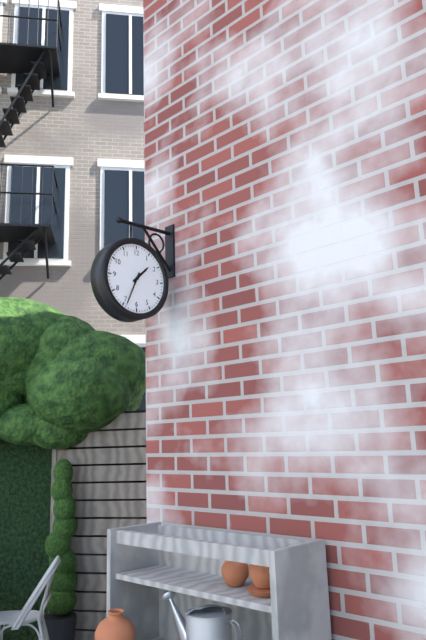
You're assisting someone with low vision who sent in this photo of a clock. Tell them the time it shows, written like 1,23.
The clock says 1,34
